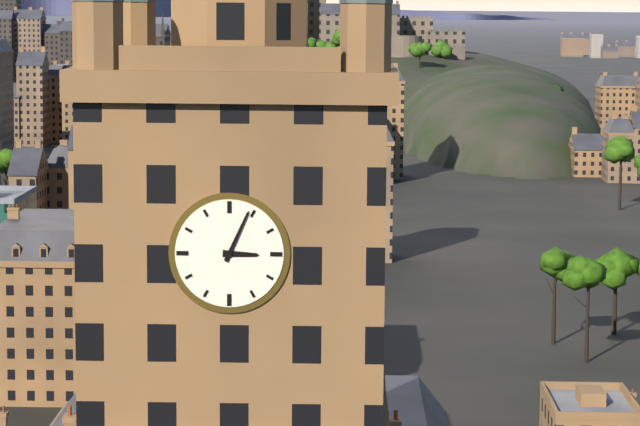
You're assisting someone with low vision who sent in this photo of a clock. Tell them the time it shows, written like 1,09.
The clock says 3,04
